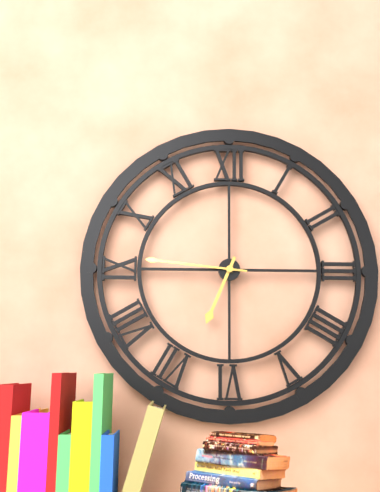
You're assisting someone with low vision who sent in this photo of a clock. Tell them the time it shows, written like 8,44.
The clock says 6,46
